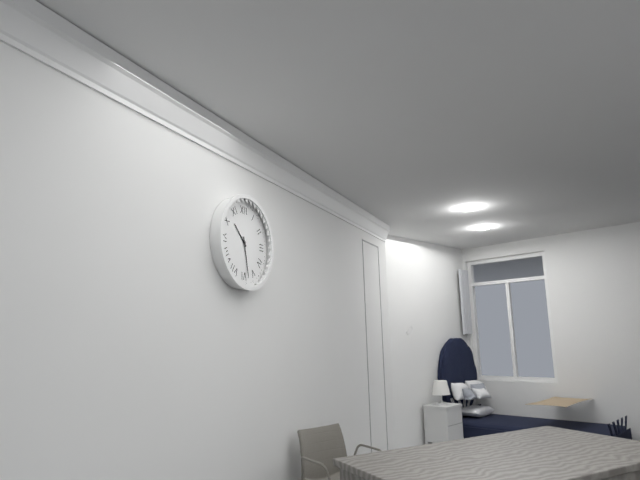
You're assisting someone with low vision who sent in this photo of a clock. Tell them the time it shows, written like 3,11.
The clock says 10,28
